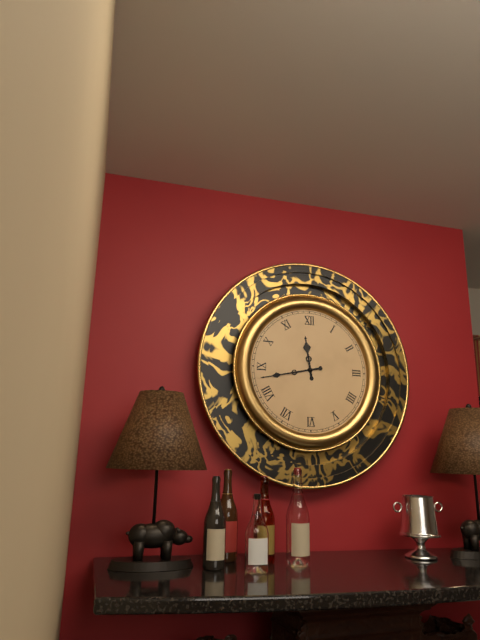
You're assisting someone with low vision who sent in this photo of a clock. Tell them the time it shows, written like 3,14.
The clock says 11,43
